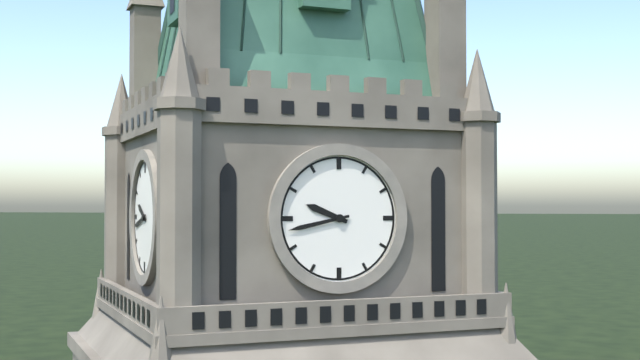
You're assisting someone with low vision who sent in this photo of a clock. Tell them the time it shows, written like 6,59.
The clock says 9,43
